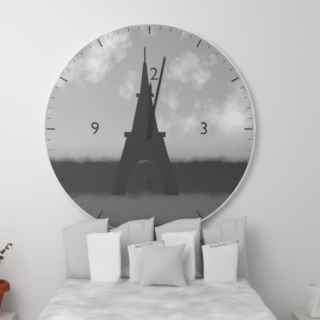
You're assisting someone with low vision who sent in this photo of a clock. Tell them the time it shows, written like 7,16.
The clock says 12,02
